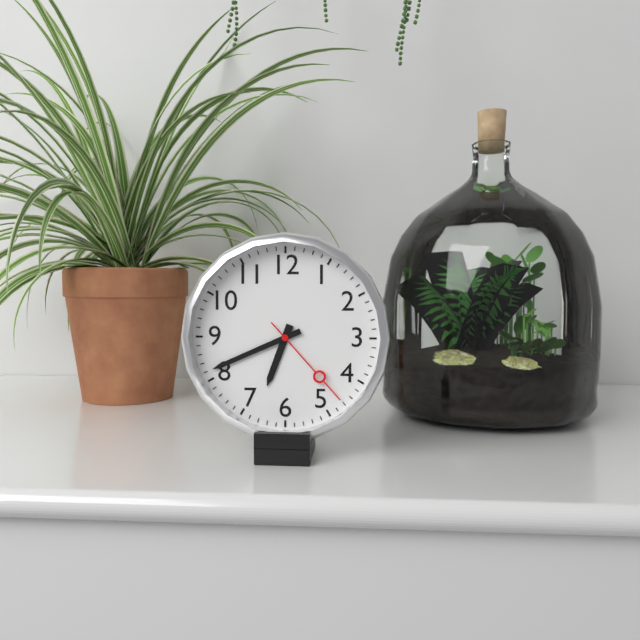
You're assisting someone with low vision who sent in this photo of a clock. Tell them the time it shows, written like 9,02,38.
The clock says 6,41,23
